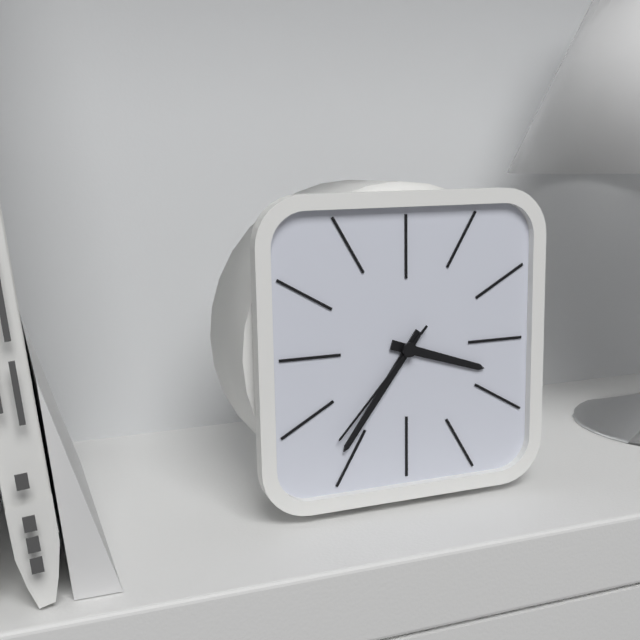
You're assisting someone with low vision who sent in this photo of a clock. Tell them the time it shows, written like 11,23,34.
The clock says 3,36,37
